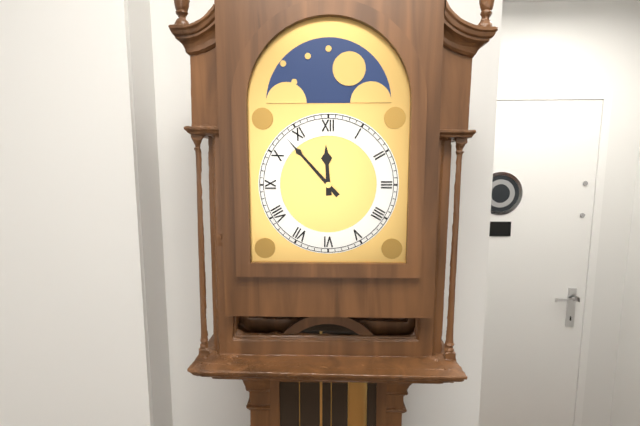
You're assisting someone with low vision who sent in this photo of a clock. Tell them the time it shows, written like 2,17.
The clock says 11,53
